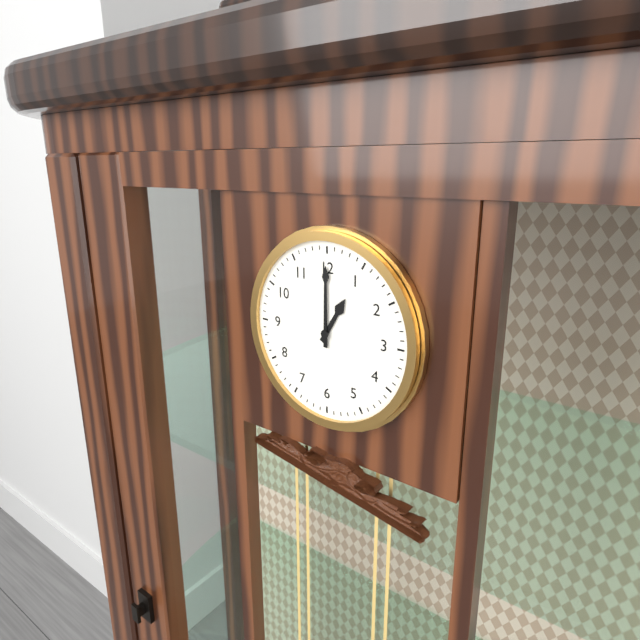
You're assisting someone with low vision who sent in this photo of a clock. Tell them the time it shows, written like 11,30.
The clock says 1,00
